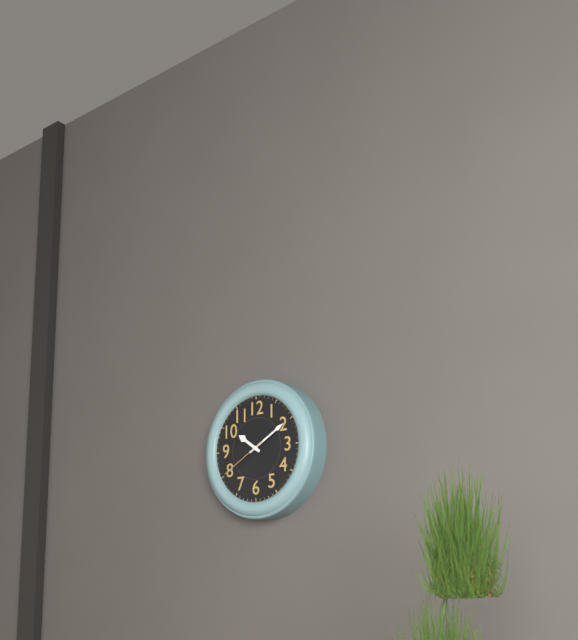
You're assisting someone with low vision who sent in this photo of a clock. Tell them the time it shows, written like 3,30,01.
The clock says 10,10,40
